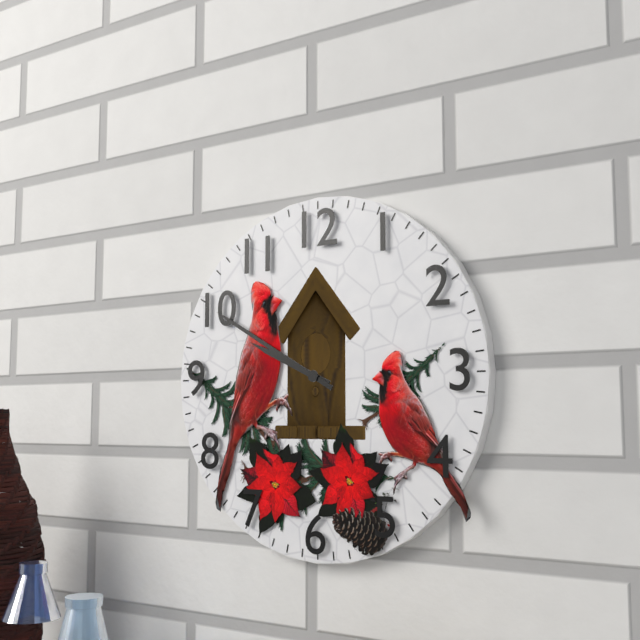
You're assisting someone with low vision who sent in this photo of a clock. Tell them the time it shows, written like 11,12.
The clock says 9,50
